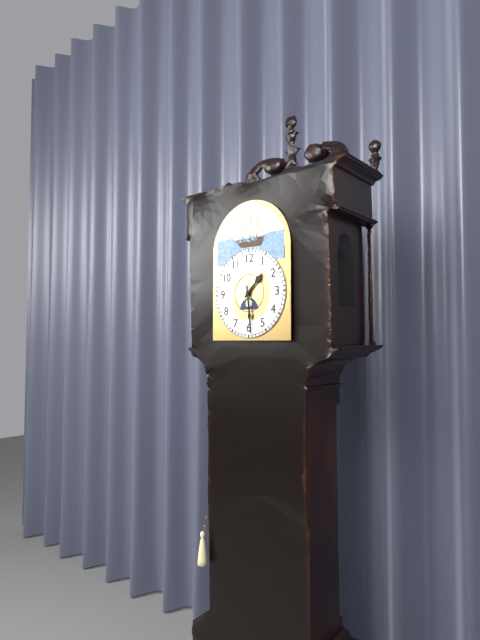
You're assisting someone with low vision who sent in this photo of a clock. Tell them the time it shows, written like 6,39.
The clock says 1,29
